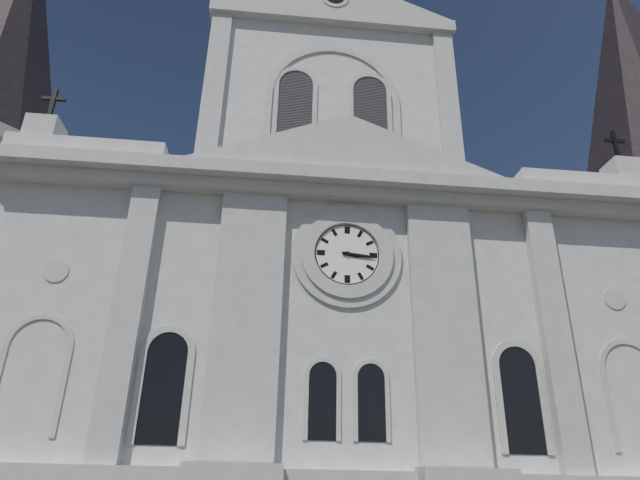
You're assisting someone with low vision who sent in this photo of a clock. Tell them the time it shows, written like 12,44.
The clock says 3,16
